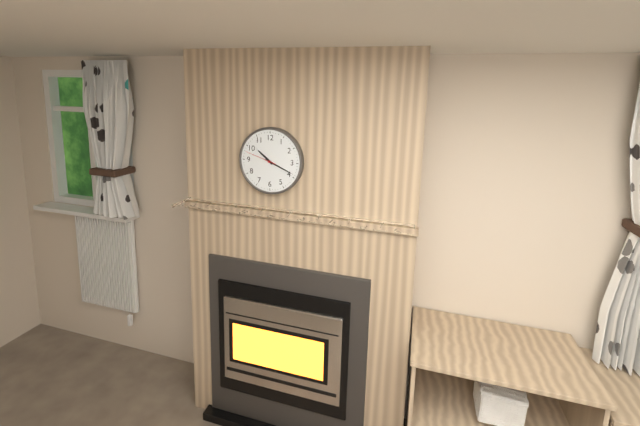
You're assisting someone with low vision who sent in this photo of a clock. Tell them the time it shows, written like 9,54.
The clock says 10,19
